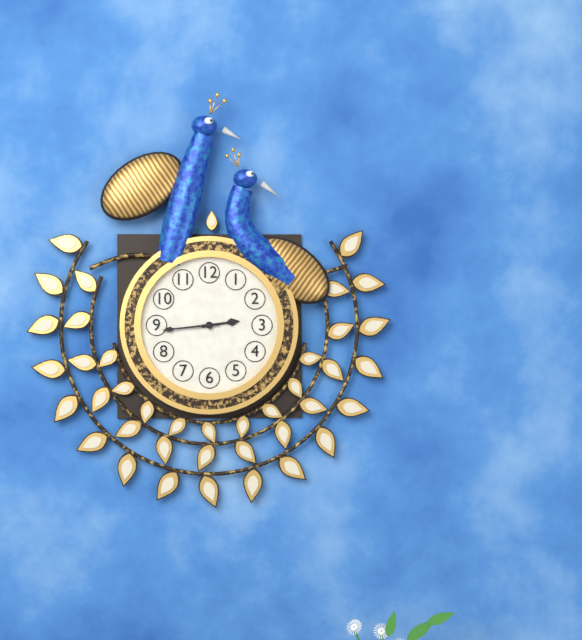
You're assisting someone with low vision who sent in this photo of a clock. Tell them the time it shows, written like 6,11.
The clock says 2,44
